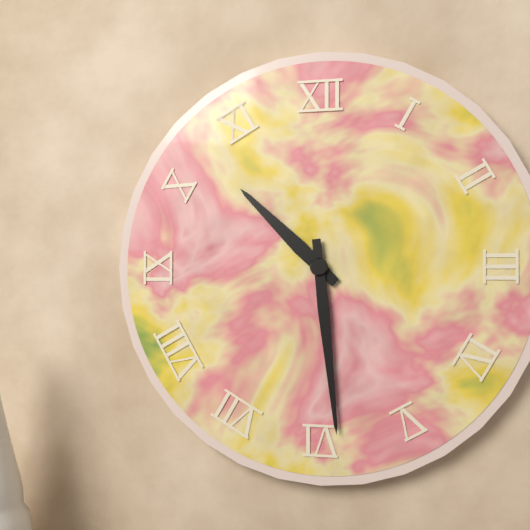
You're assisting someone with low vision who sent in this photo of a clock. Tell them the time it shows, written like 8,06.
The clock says 10,29
